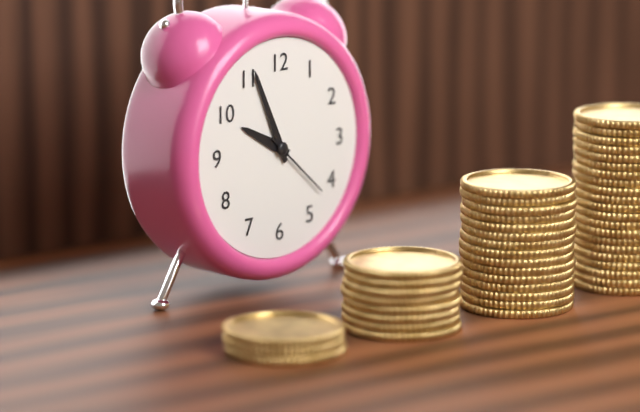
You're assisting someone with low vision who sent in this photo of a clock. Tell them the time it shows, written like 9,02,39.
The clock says 9,56,22
